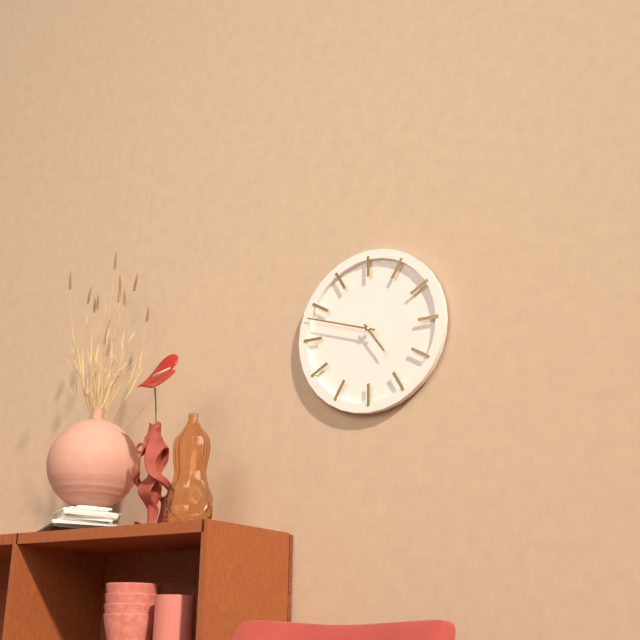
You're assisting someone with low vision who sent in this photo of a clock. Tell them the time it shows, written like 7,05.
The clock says 4,48
